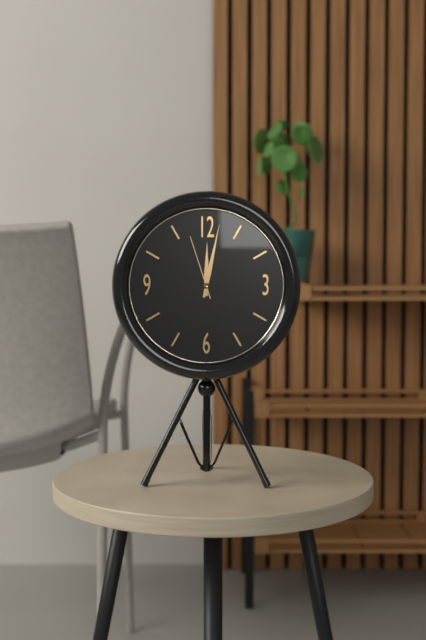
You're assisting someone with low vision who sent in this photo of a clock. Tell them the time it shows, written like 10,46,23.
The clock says 12,02,57
